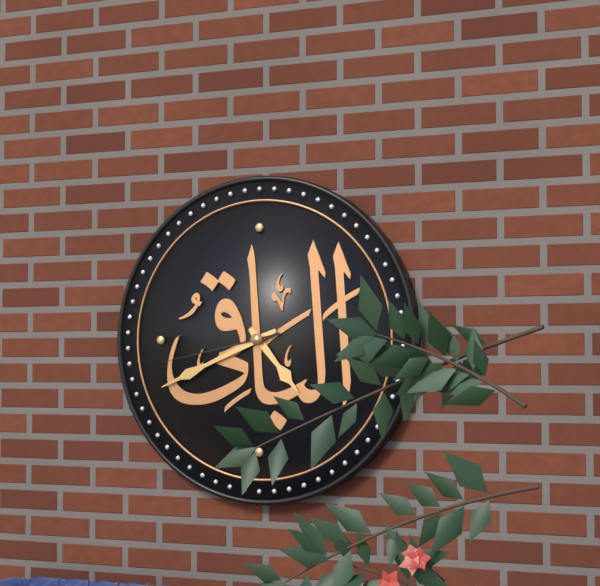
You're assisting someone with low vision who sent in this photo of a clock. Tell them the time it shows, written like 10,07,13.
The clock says 4,41,43
